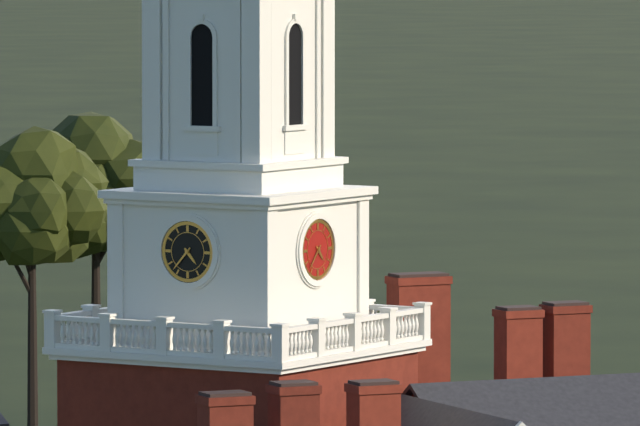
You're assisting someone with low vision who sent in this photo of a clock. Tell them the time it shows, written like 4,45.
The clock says 4,37
